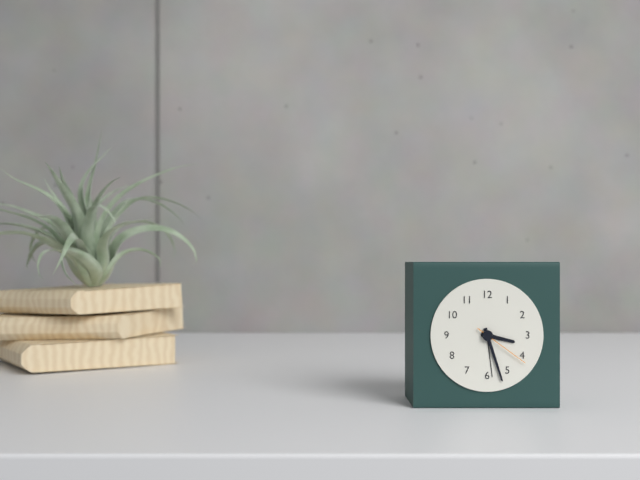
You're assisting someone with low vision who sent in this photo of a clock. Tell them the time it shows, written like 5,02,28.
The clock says 3,27,21
